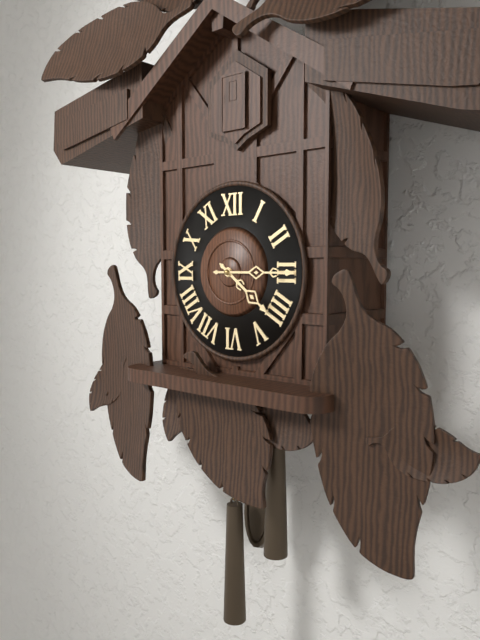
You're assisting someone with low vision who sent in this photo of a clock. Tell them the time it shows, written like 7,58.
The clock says 4,15
